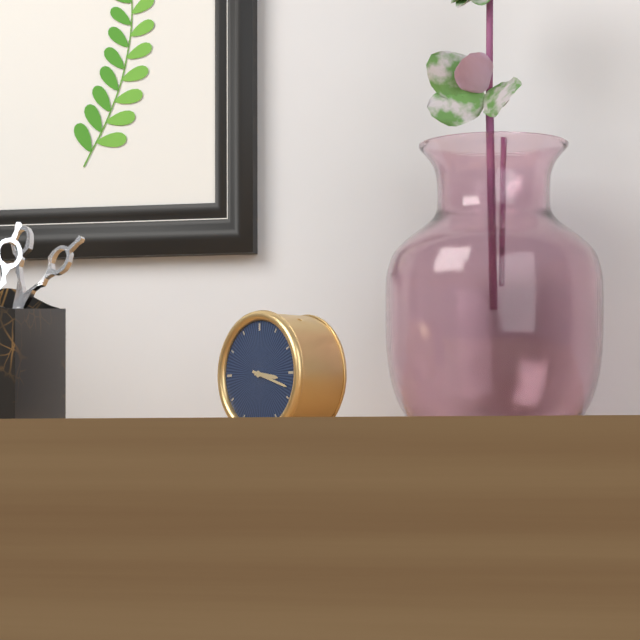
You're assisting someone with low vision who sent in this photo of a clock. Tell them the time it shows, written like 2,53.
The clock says 3,18
